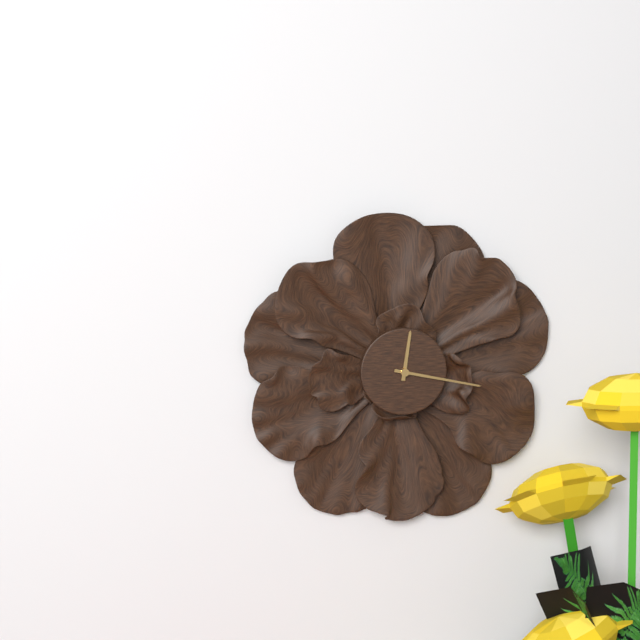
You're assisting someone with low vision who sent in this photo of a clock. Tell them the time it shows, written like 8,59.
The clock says 12,17
